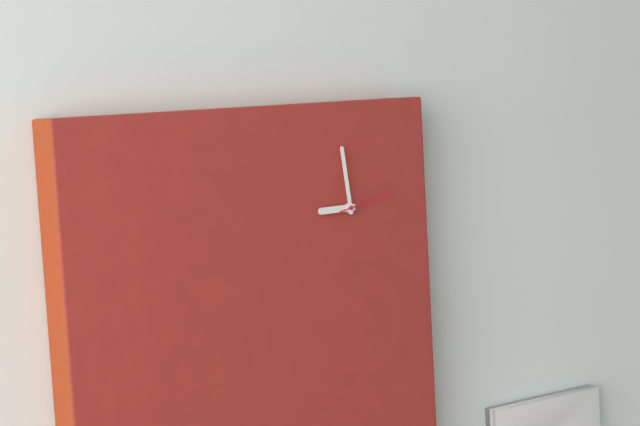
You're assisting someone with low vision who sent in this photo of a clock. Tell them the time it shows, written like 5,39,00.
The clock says 8,59,13
